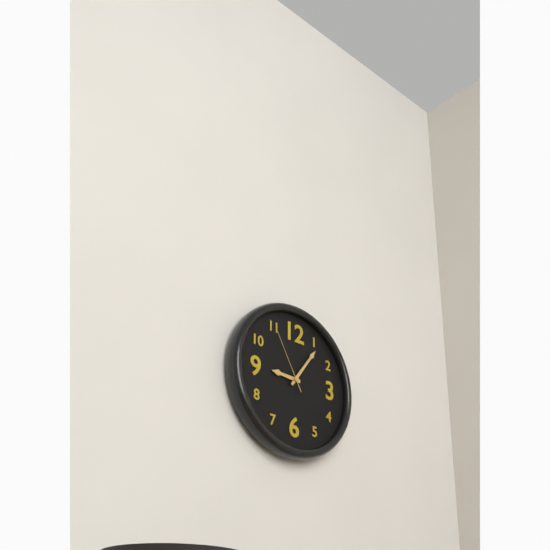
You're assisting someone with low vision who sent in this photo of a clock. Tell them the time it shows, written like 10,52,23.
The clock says 9,06,55
